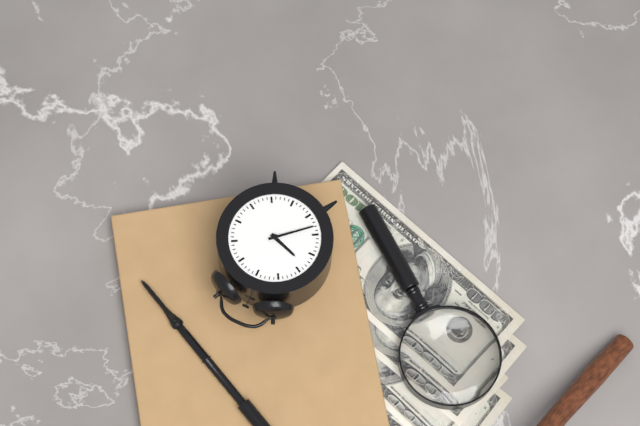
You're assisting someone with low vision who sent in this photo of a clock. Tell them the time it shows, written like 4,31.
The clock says 9,38
